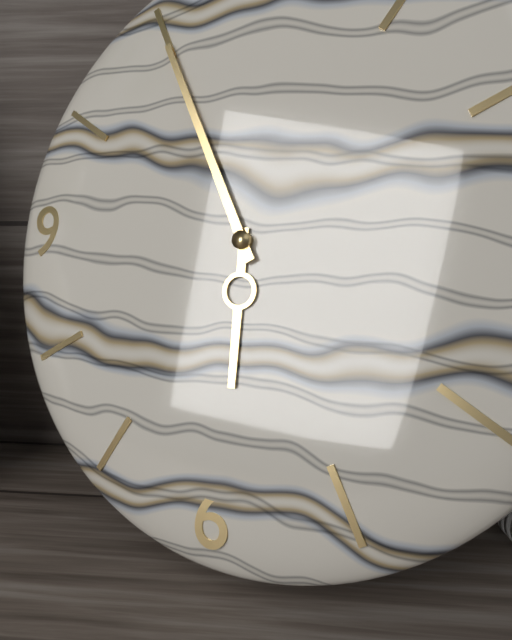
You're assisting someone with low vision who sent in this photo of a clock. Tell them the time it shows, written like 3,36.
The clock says 5,55
